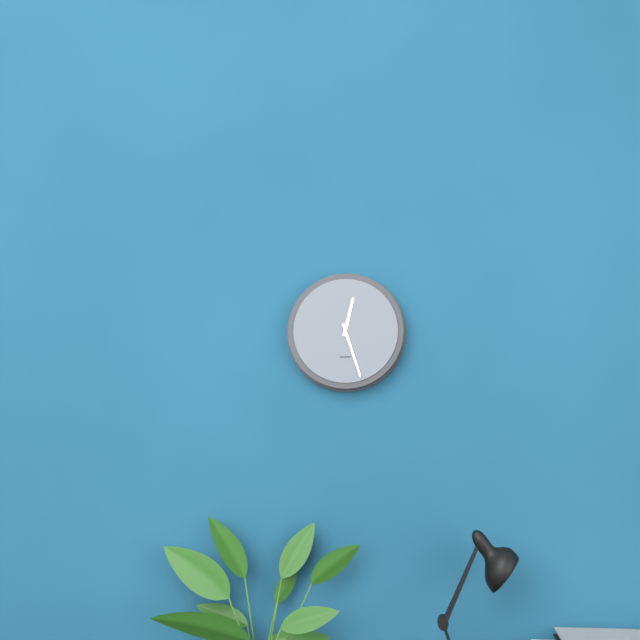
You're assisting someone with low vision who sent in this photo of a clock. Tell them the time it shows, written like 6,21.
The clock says 12,27
